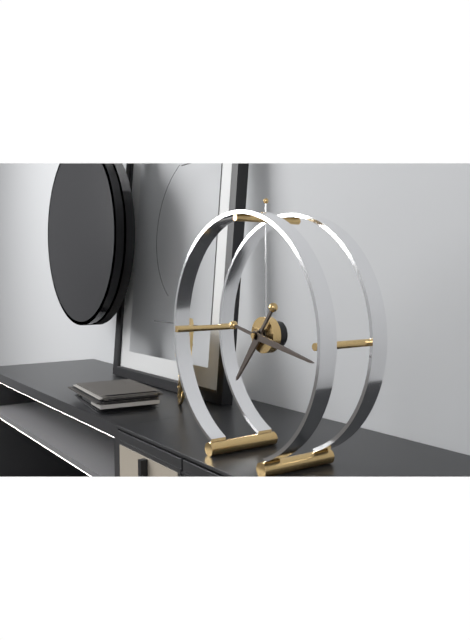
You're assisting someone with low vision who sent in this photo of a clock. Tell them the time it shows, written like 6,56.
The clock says 7,17
